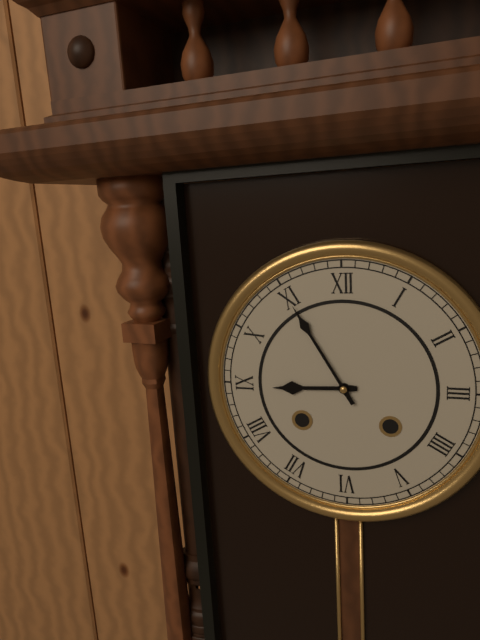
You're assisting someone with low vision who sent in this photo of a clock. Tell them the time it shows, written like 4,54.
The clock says 8,55
